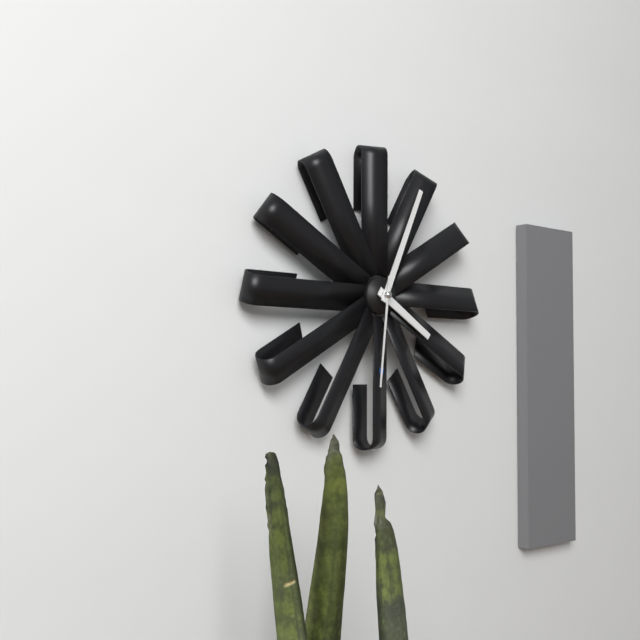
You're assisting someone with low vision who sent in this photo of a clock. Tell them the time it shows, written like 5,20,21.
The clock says 4,04,31
